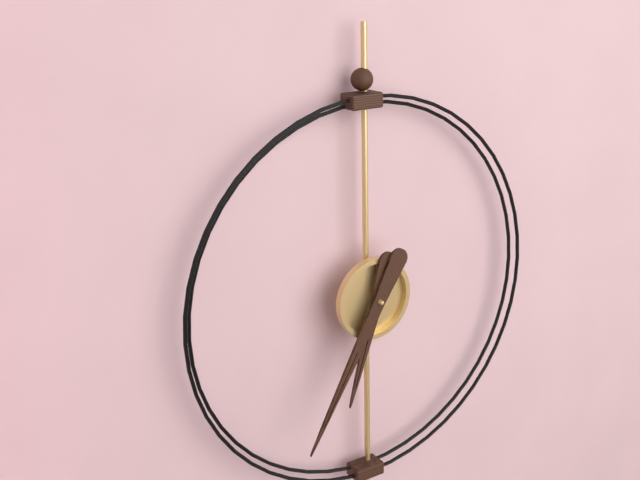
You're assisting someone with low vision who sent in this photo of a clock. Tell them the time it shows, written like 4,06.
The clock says 6,35
